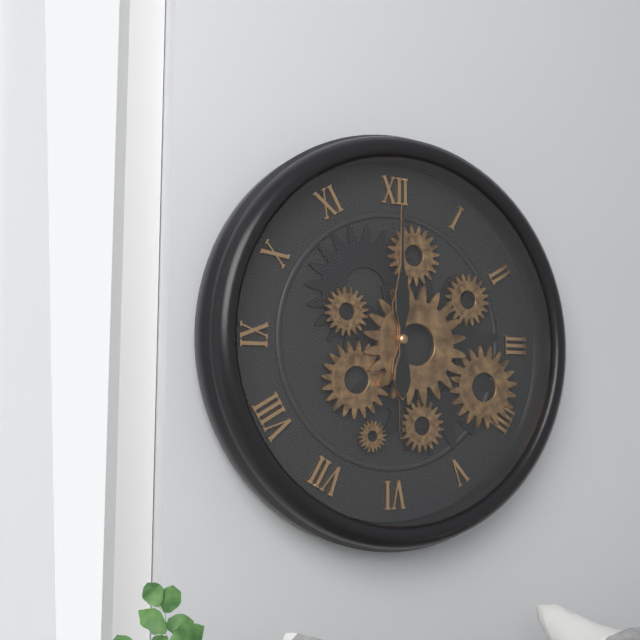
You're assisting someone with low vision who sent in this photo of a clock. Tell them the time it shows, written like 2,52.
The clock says 6,00
